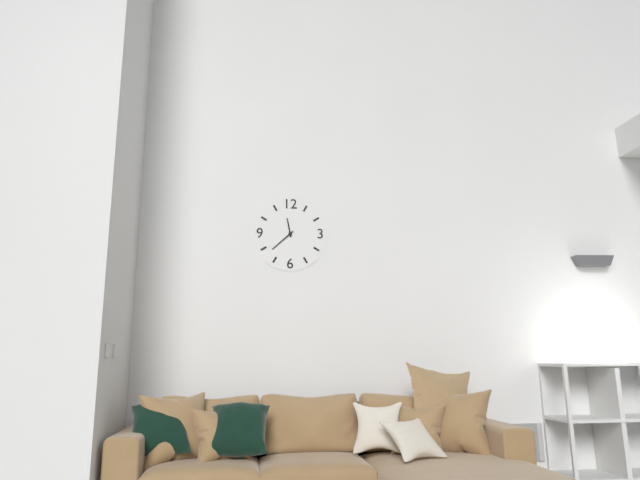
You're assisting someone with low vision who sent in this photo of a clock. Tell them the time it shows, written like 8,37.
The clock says 11,38
